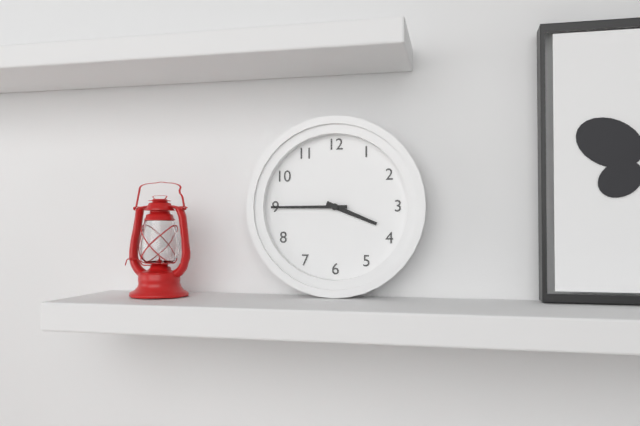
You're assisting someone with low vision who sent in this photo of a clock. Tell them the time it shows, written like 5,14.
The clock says 3,45
